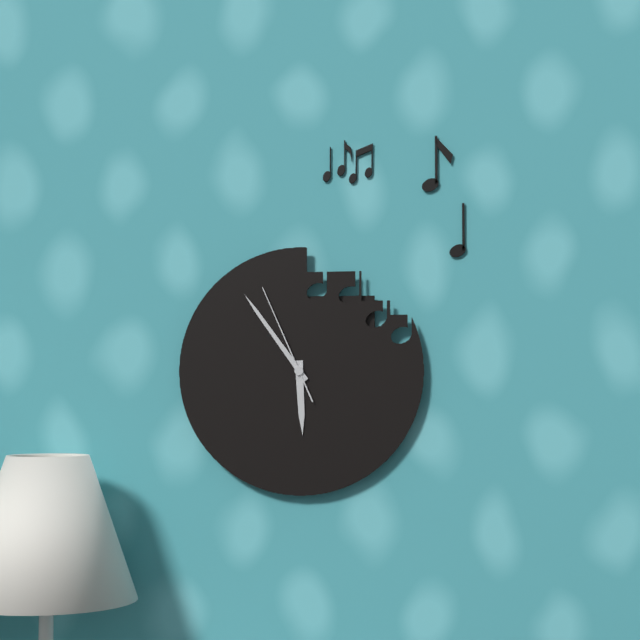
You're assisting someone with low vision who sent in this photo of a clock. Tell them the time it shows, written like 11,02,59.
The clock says 5,54,56
